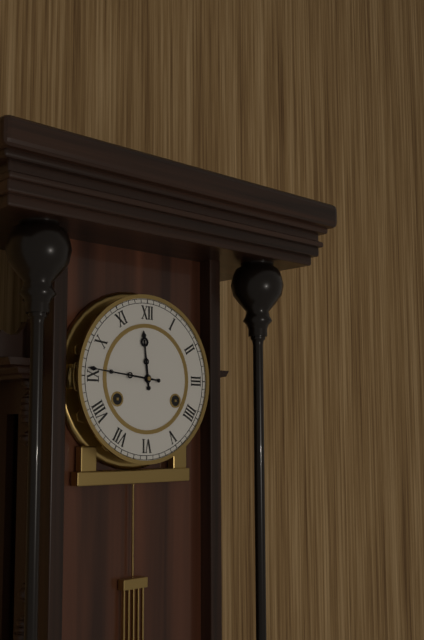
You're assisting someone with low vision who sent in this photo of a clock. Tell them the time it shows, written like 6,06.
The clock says 11,46
